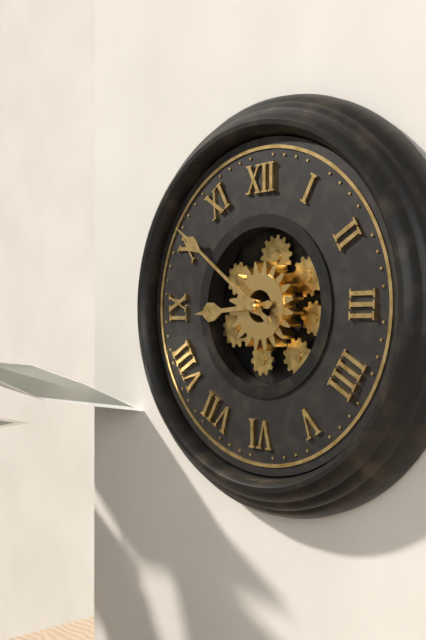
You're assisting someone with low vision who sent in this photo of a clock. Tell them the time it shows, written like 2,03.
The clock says 8,51
